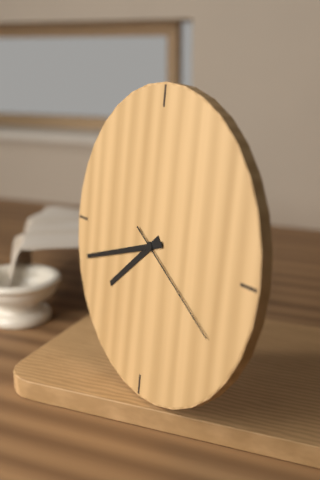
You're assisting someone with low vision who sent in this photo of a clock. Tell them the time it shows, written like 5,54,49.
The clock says 7,42,20
